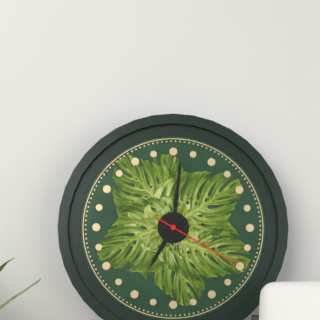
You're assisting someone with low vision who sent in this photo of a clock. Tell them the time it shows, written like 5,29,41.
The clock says 7,01,20
